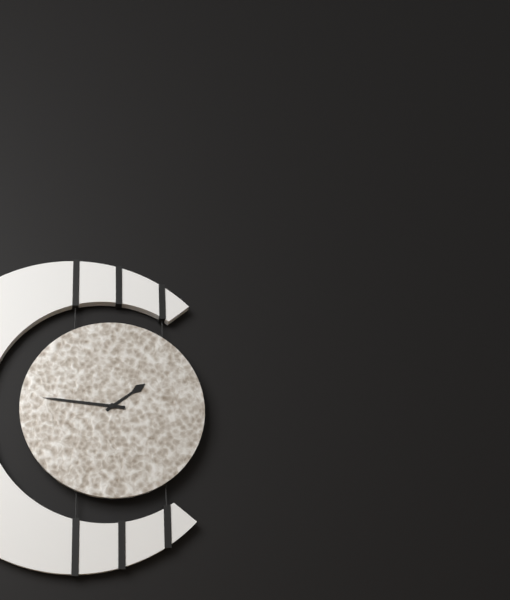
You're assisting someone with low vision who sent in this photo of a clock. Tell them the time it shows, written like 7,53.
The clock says 1,46
